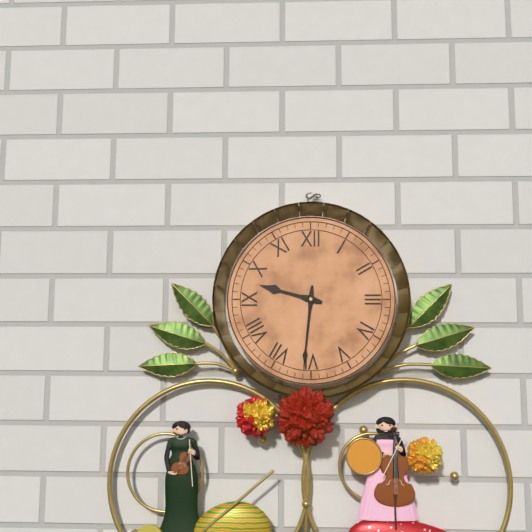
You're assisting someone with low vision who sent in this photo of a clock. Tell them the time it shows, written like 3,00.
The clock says 9,31
